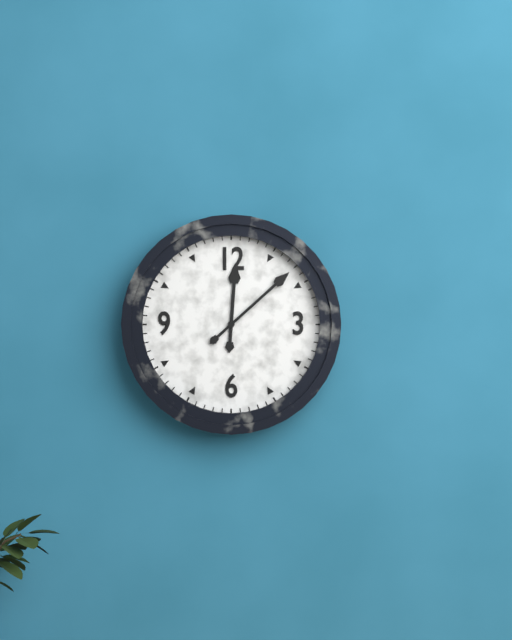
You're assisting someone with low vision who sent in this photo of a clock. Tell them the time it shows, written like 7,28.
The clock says 12,08
